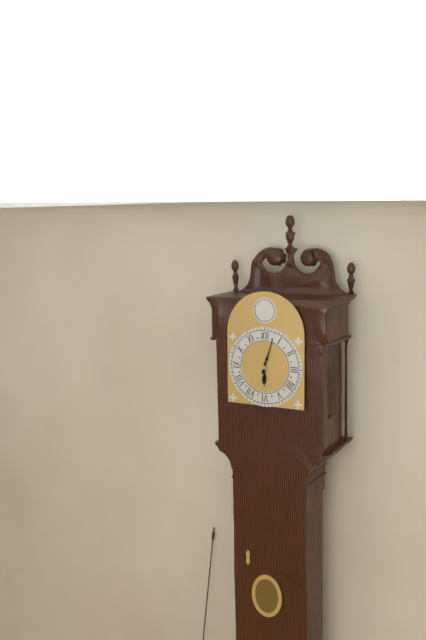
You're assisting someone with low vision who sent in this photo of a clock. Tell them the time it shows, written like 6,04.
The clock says 6,03
